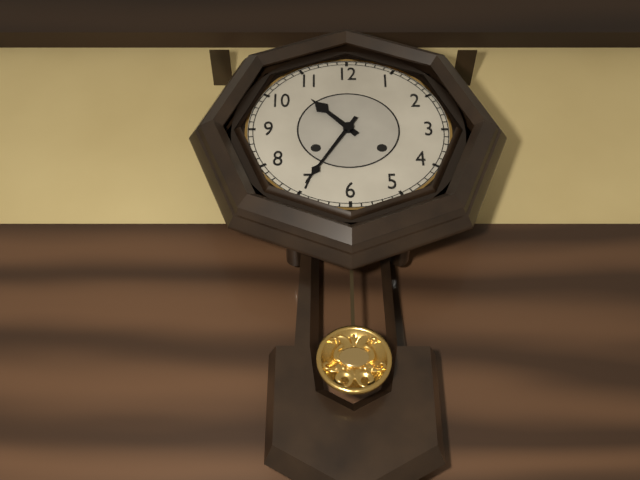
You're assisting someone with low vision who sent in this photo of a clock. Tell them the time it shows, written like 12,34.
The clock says 10,35
